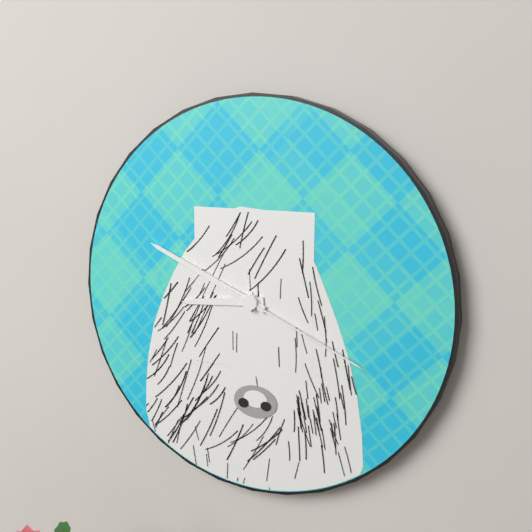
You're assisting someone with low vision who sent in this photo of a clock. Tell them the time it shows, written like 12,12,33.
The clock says 8,49,19
